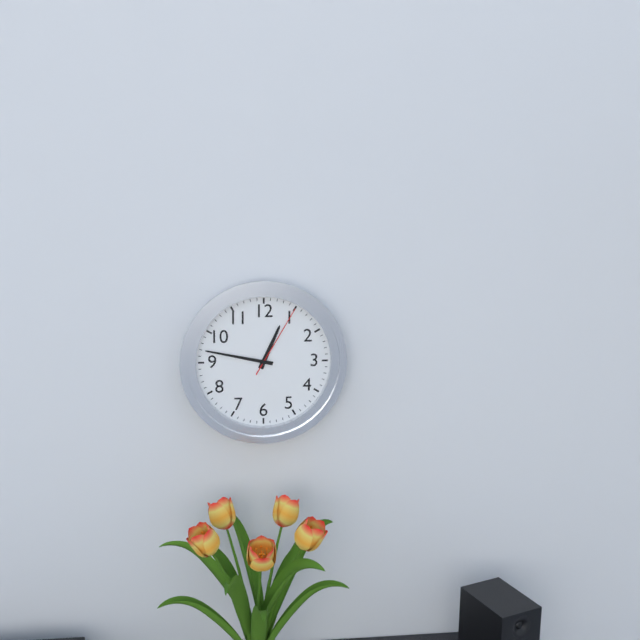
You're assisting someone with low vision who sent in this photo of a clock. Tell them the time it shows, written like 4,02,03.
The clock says 12,47,05
